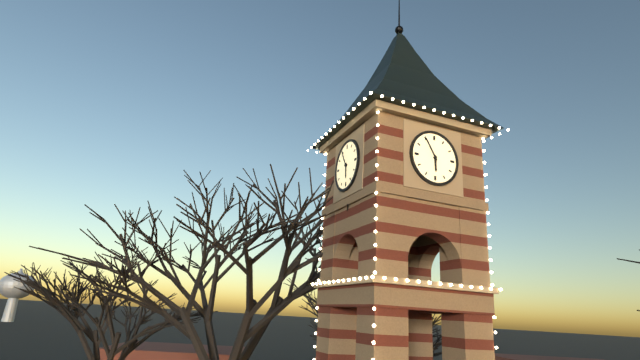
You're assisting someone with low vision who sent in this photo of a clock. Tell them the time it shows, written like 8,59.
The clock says 5,55
